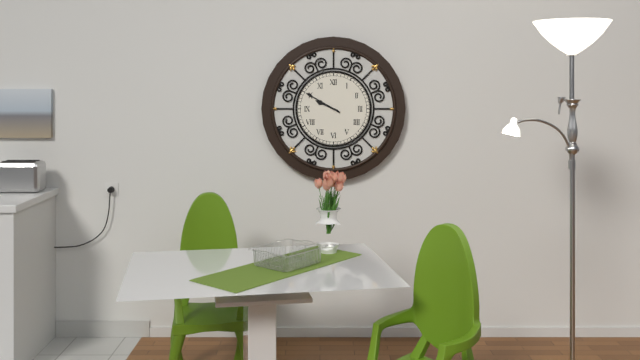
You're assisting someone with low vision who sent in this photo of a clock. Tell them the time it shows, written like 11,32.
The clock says 9,50
